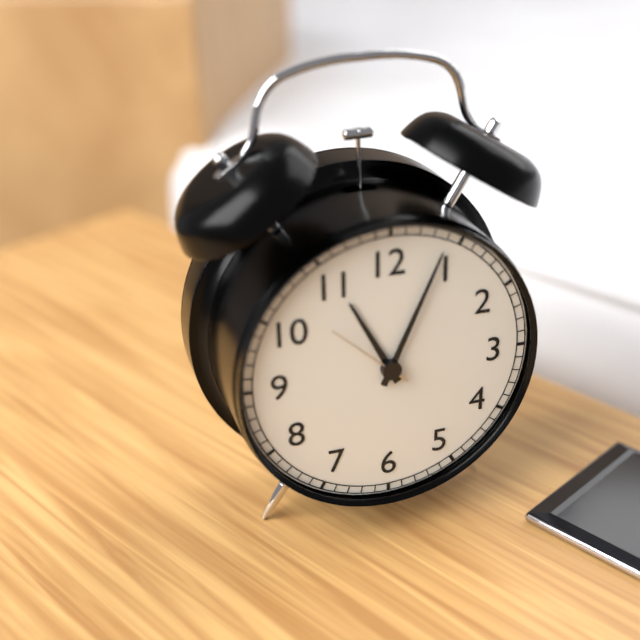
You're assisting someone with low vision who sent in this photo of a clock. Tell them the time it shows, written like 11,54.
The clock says 11,04
